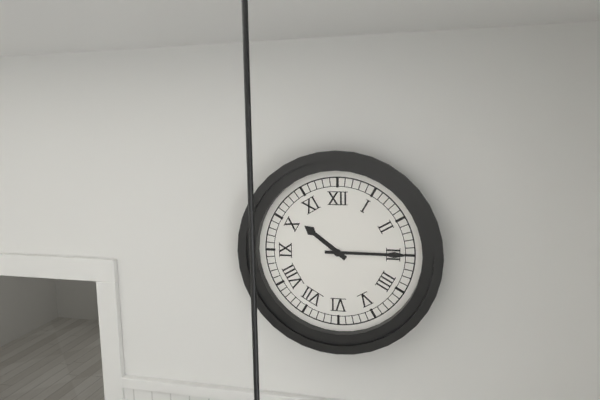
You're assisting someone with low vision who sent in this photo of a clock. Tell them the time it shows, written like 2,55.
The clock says 10,15
